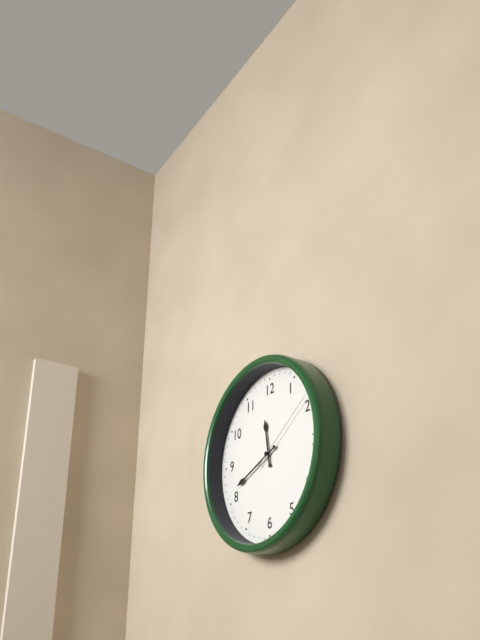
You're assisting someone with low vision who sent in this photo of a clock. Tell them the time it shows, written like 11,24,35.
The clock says 11,41,09
